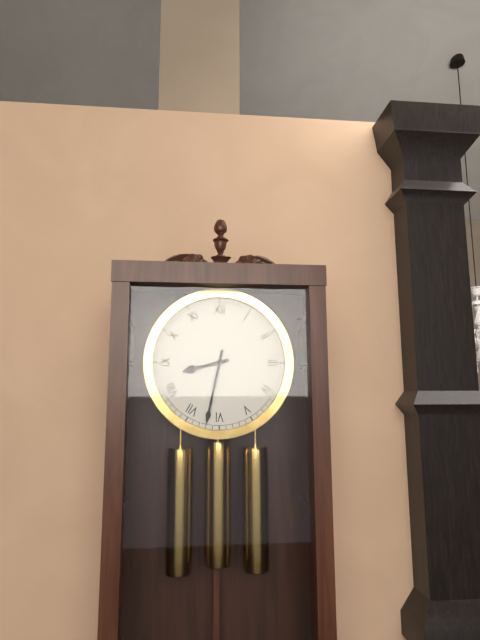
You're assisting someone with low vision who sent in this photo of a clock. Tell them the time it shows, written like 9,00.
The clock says 8,32
